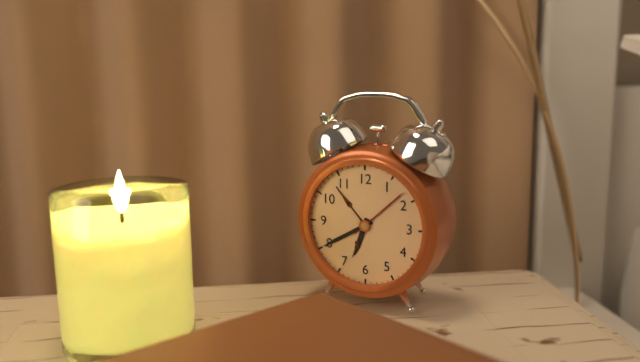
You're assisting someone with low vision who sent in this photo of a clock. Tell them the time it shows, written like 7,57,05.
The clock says 6,40,08
